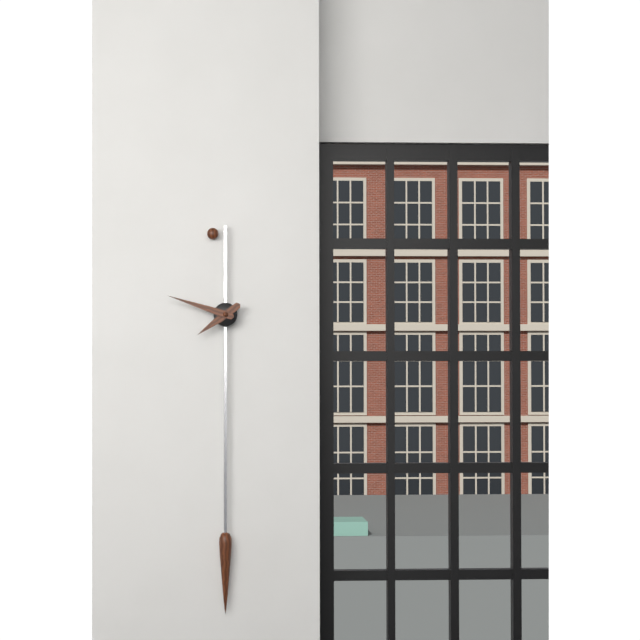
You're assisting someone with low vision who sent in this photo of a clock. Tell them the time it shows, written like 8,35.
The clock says 7,48
